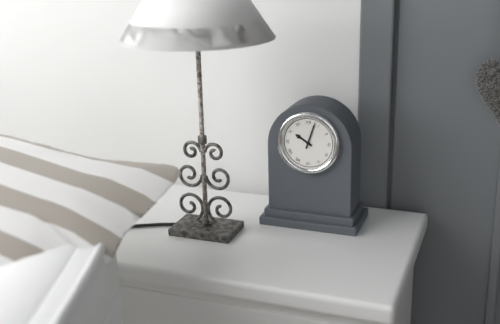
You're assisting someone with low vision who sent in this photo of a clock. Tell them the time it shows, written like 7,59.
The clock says 10,03
